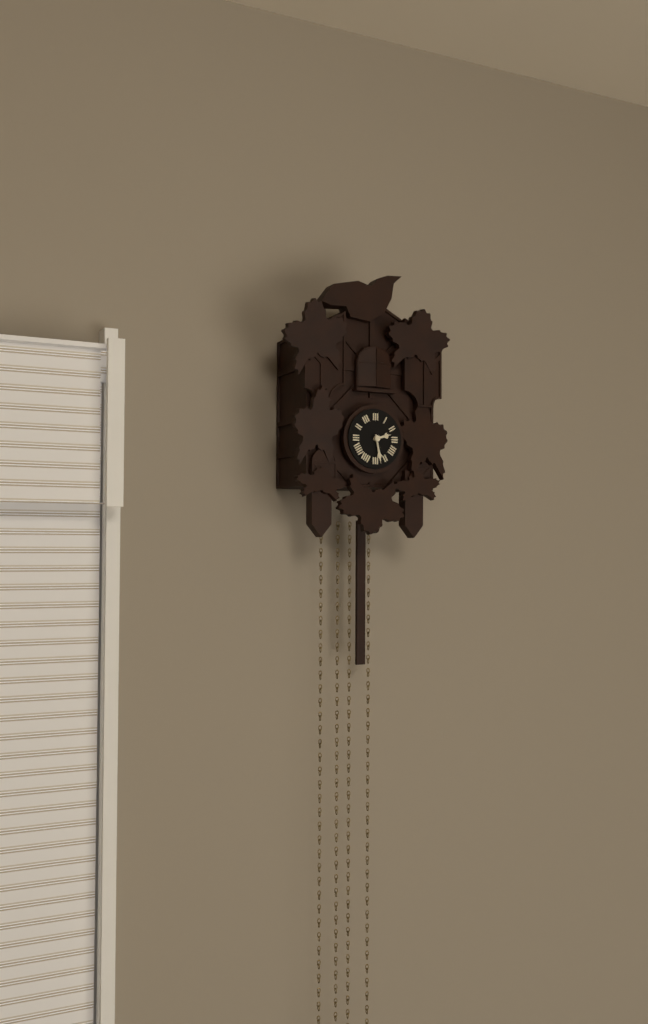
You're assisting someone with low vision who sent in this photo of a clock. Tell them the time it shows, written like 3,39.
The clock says 2,28
